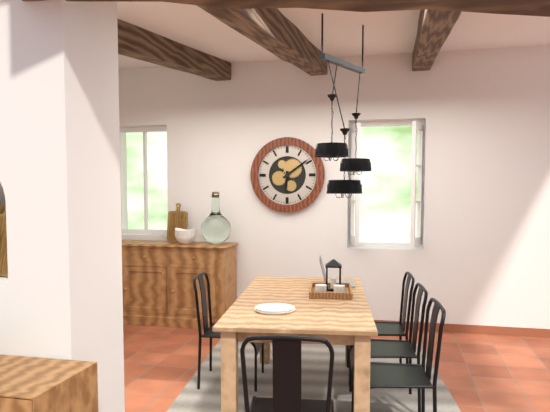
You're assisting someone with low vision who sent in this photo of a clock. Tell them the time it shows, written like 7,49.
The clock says 6,09
